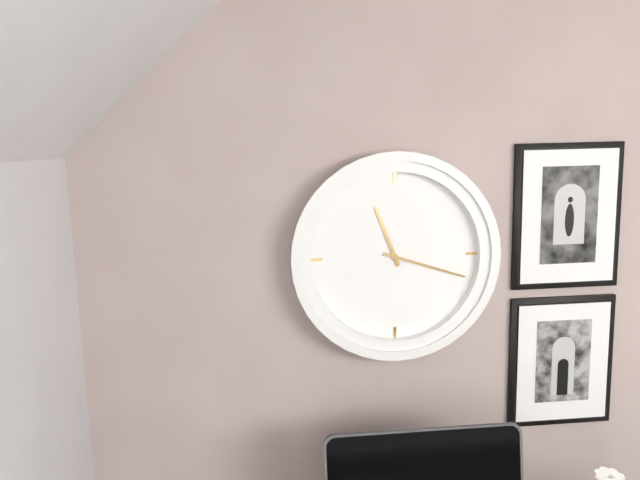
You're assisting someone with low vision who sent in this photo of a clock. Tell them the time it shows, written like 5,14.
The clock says 11,18
